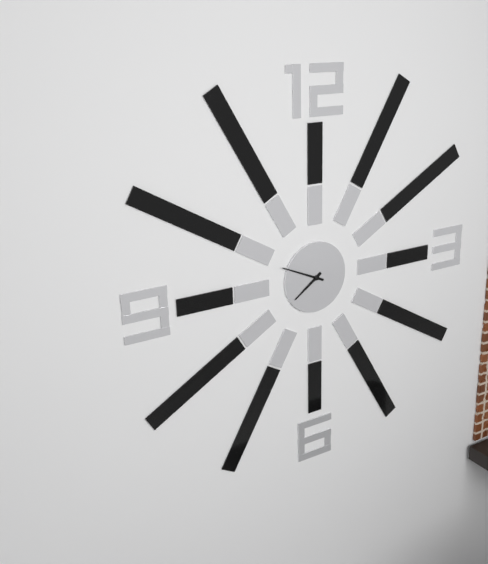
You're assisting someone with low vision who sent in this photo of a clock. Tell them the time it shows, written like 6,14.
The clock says 7,49
